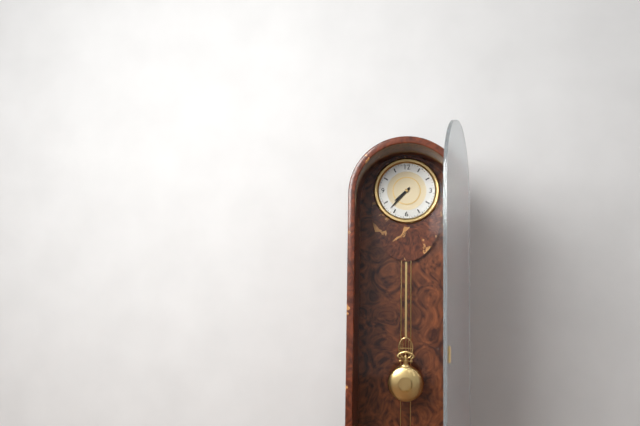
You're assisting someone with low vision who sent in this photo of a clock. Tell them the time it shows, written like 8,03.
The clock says 7,37
